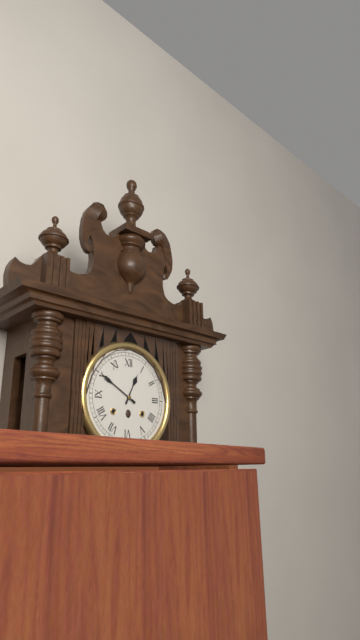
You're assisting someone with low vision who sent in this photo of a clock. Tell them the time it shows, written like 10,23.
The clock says 12,50
